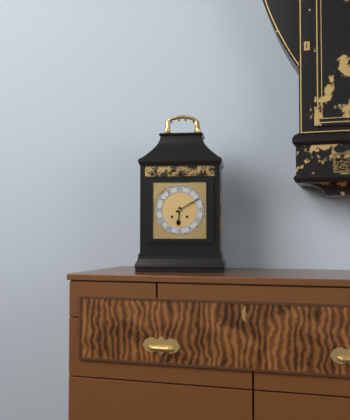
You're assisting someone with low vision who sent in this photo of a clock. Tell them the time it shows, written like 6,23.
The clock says 6,10
